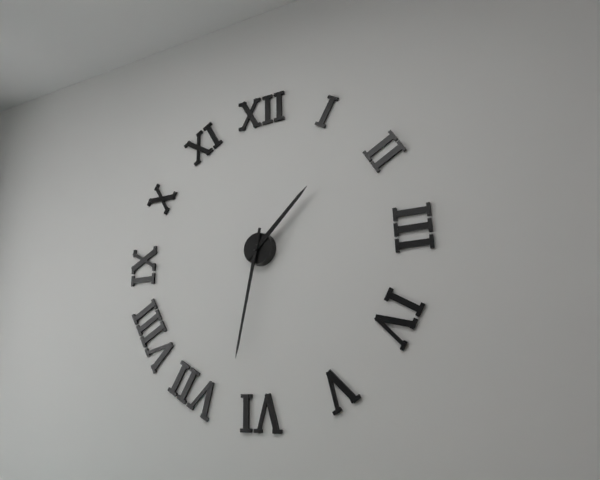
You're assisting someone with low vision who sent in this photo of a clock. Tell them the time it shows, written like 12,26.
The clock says 1,32
